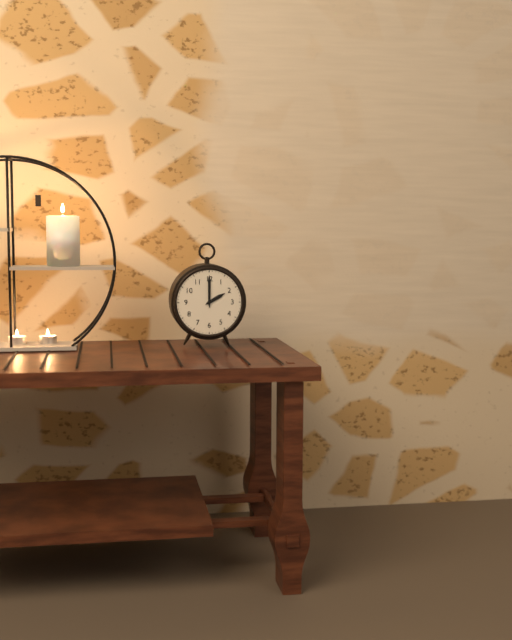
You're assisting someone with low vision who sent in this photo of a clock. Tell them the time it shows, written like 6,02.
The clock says 2,00
